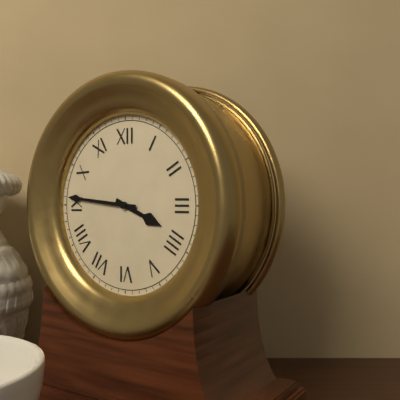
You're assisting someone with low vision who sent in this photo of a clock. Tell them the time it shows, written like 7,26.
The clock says 3,46
